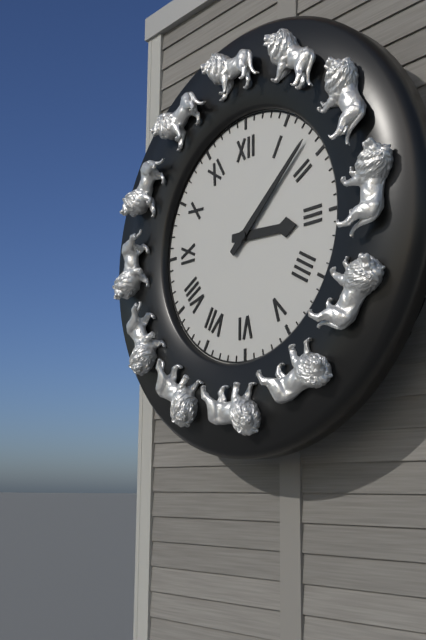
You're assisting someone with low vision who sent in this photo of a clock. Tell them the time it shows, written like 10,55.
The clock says 3,08
